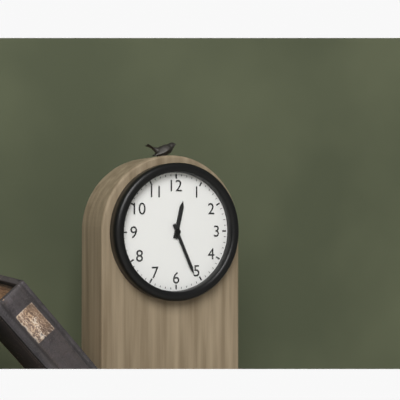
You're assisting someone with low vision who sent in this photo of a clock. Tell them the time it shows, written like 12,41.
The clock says 12,26
